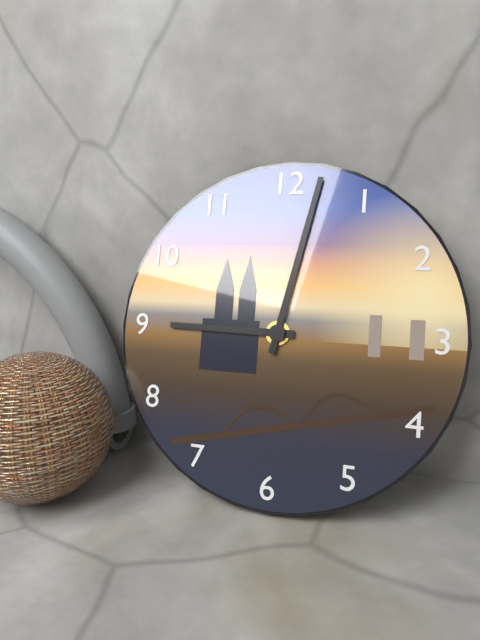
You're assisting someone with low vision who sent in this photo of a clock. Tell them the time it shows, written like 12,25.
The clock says 9,02
